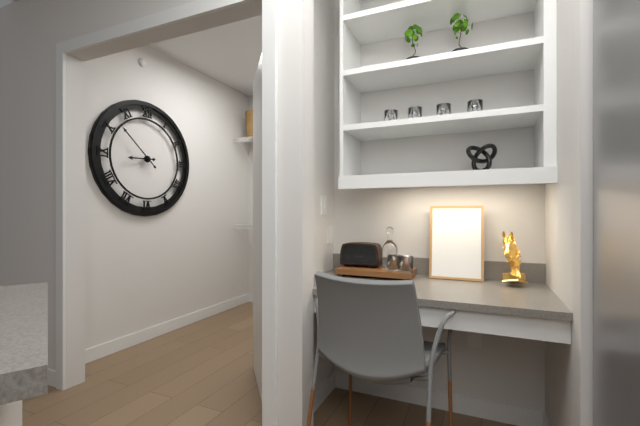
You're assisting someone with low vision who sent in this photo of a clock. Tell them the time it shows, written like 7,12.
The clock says 8,52
